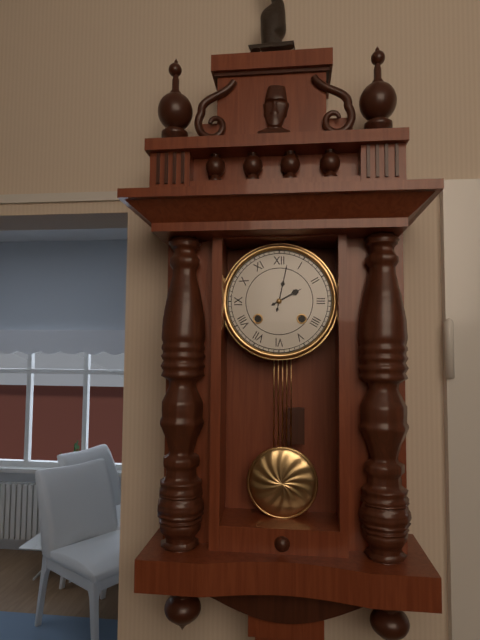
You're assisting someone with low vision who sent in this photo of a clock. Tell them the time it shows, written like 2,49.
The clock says 2,02
